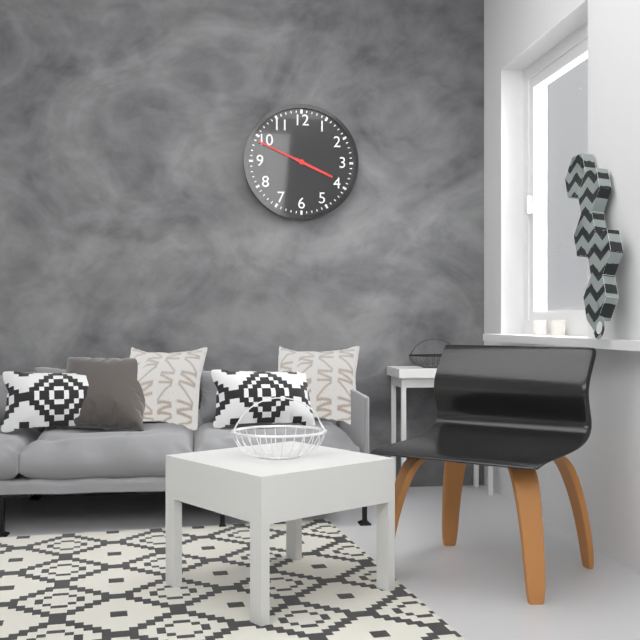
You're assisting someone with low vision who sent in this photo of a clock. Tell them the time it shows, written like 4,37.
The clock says 3,49
